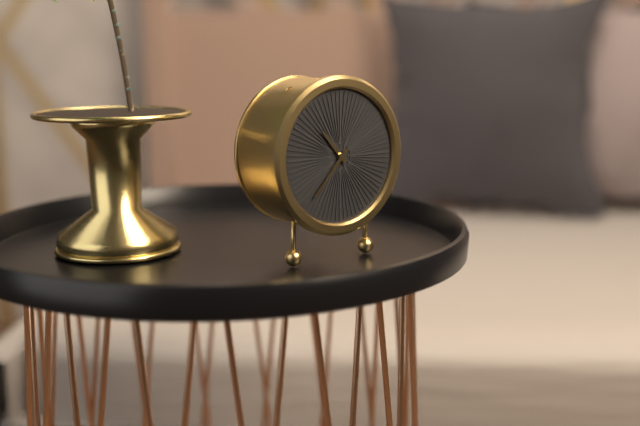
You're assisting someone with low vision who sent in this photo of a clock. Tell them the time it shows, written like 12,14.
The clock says 10,37
